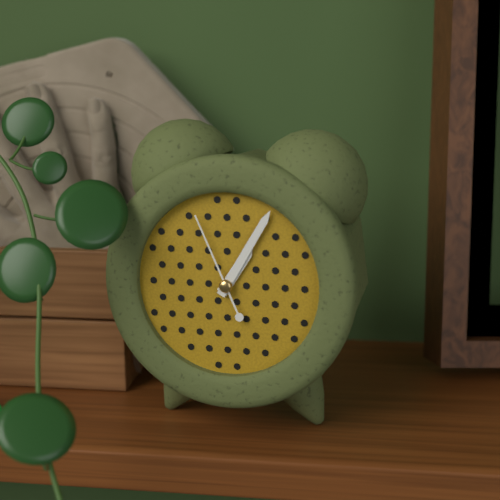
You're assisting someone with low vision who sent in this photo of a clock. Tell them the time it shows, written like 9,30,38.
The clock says 1,05,56
